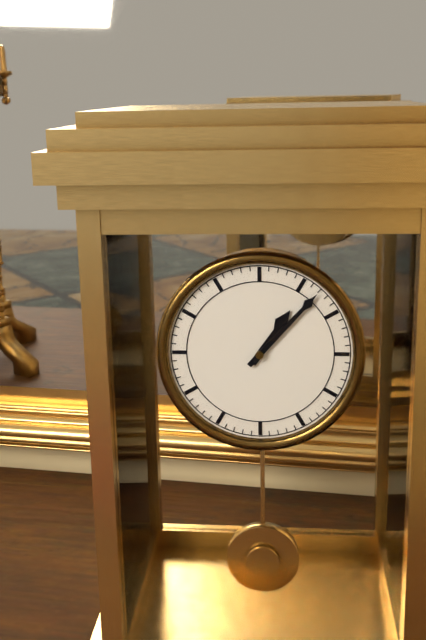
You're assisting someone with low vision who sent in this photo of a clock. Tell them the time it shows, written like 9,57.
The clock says 1,07
